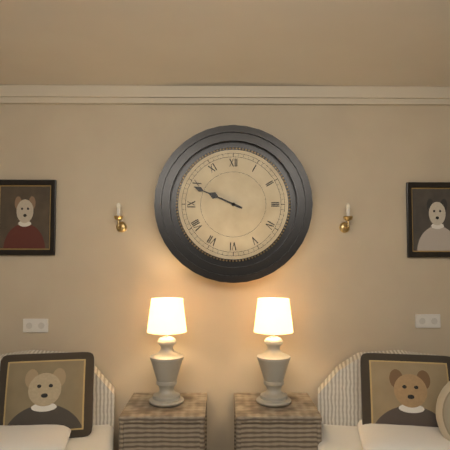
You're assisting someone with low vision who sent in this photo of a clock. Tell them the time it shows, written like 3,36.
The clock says 9,49
